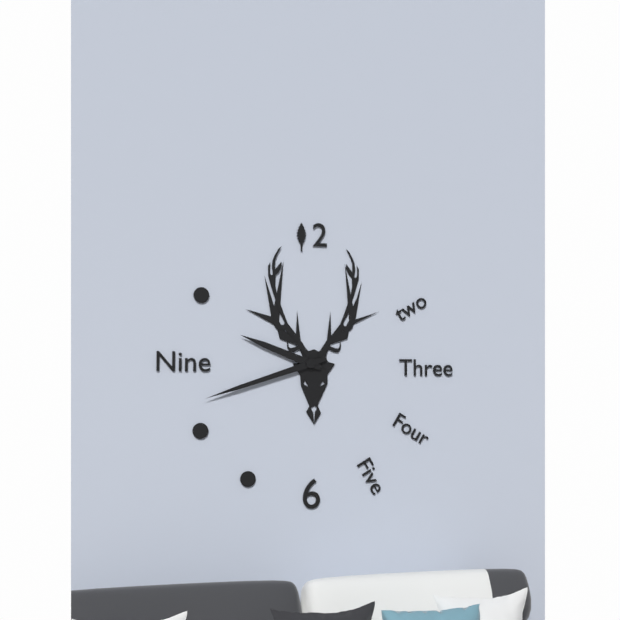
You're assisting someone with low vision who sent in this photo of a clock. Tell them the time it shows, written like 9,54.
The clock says 9,42
